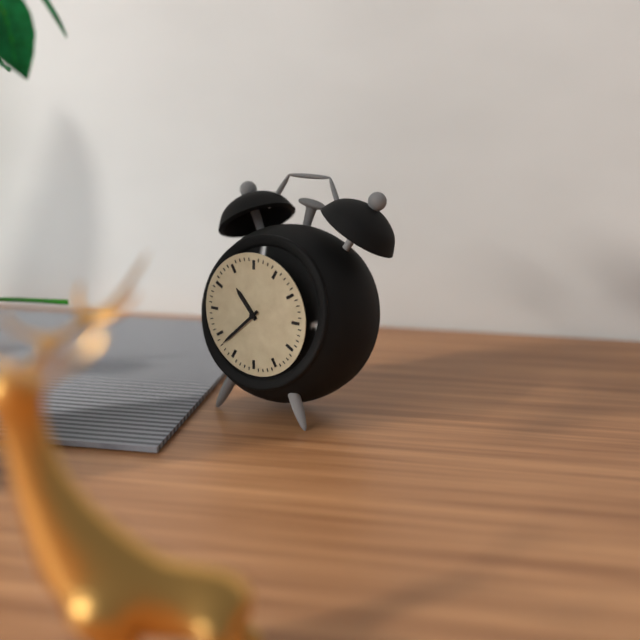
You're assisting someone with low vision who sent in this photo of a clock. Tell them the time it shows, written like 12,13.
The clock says 10,38
